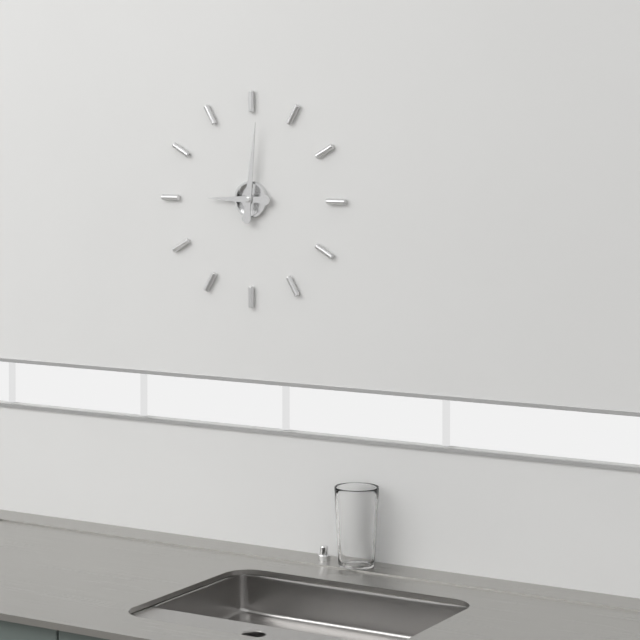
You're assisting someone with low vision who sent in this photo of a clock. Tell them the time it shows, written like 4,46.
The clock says 9,01
